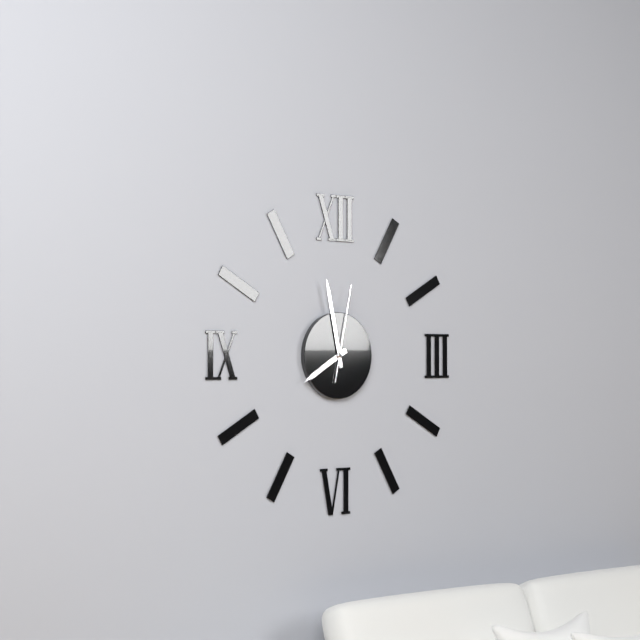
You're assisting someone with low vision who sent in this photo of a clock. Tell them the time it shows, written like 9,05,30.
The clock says 7,58,02
